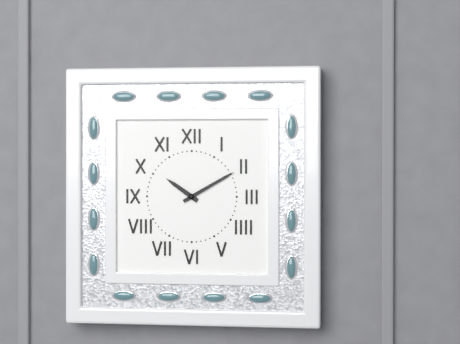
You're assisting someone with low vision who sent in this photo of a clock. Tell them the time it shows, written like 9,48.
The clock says 10,10
